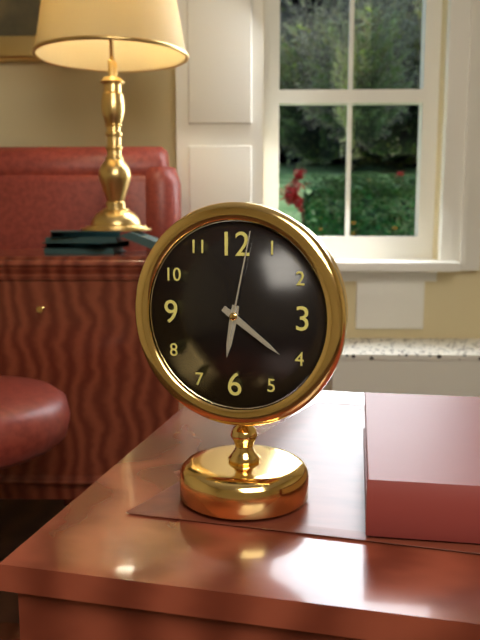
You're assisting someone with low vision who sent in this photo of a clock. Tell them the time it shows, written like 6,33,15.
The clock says 6,21,02
